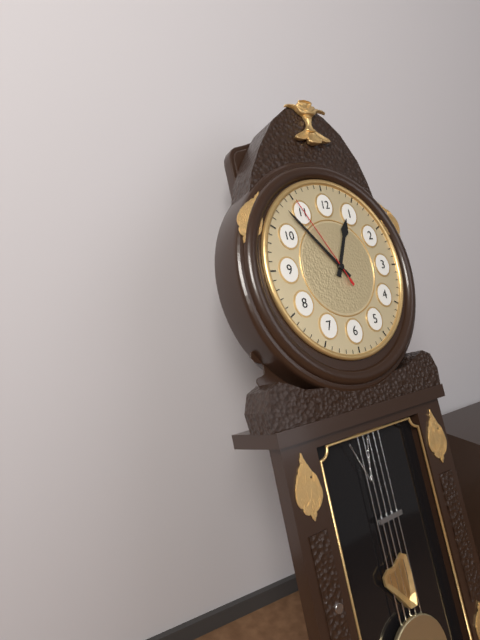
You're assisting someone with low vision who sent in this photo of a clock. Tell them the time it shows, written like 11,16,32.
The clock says 12,53,55
